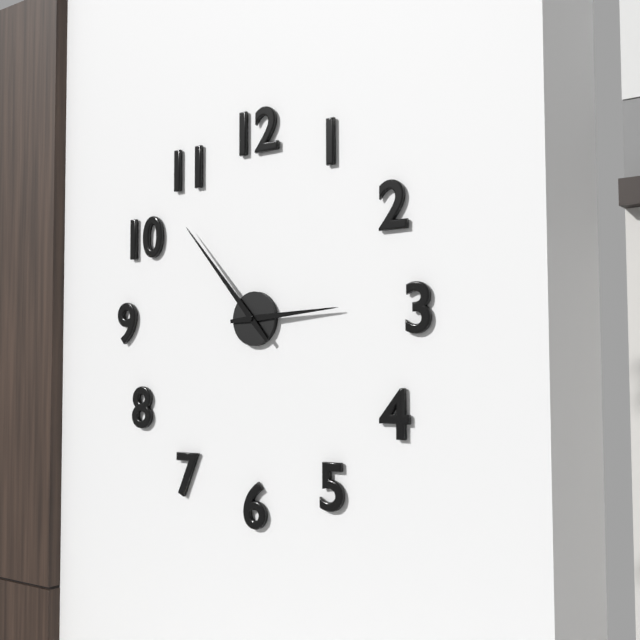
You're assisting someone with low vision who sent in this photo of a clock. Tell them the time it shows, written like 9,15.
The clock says 2,53
